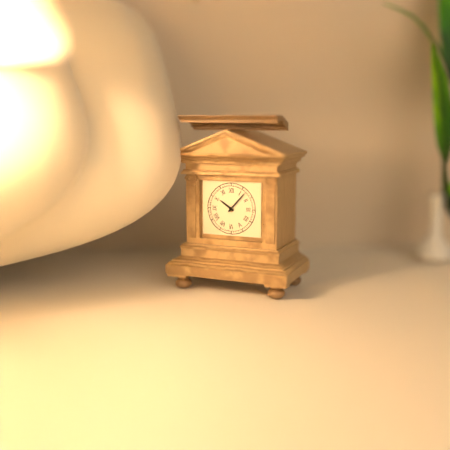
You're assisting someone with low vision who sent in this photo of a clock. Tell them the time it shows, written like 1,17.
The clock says 10,07
